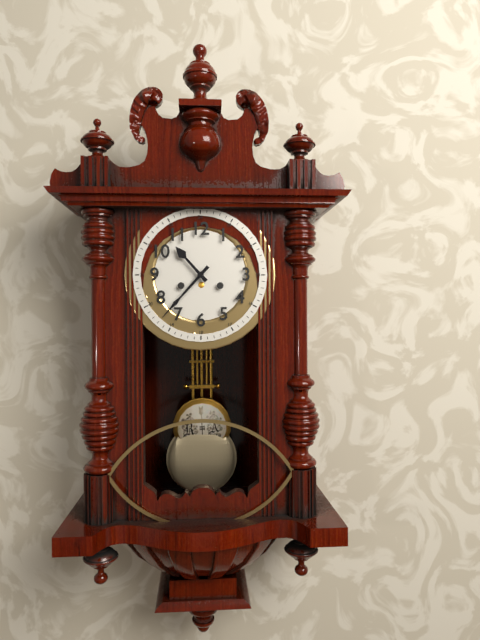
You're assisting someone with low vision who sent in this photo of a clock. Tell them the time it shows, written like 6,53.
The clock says 10,37
